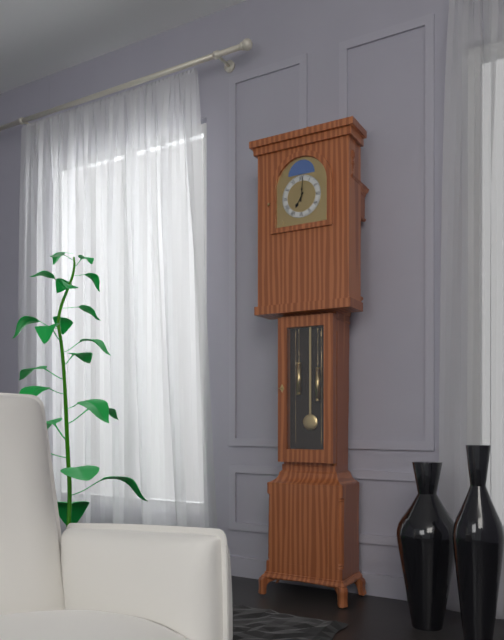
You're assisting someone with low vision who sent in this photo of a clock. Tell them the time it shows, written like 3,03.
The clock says 7,01
